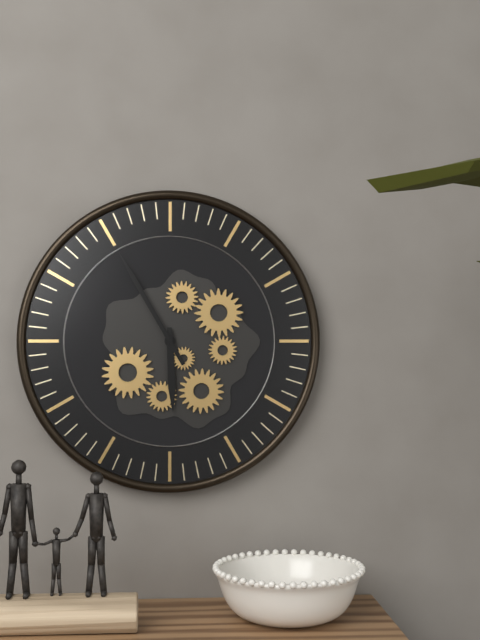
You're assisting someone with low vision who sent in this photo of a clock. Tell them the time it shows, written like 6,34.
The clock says 5,55
